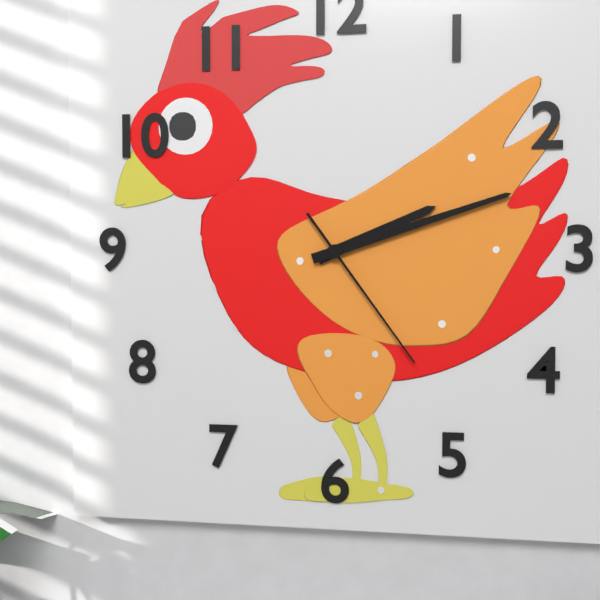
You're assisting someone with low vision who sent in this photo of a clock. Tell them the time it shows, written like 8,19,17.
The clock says 2,12,24
